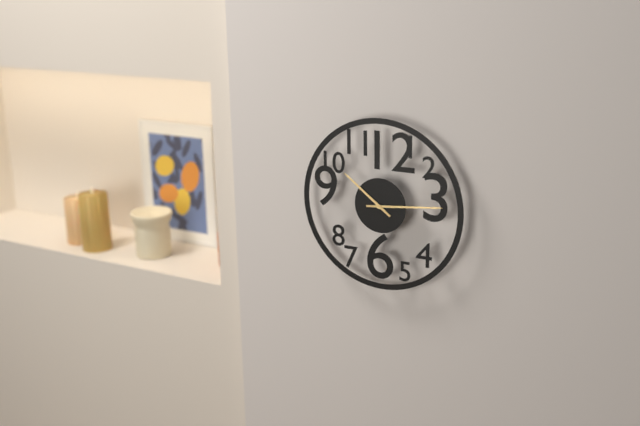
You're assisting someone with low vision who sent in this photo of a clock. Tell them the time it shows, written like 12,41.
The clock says 10,14
